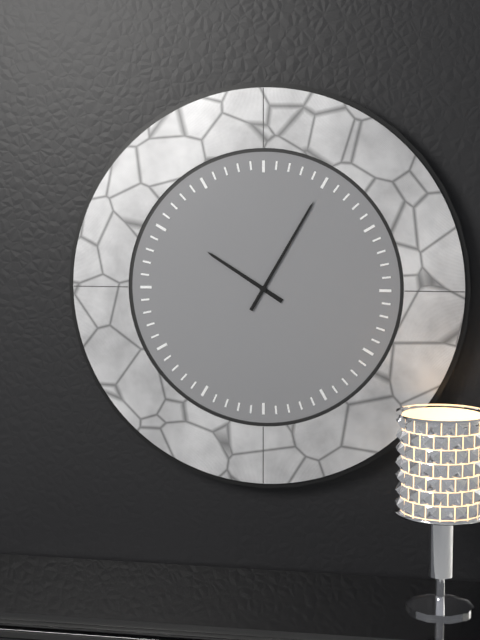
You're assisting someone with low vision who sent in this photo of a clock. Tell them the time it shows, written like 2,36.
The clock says 10,05
